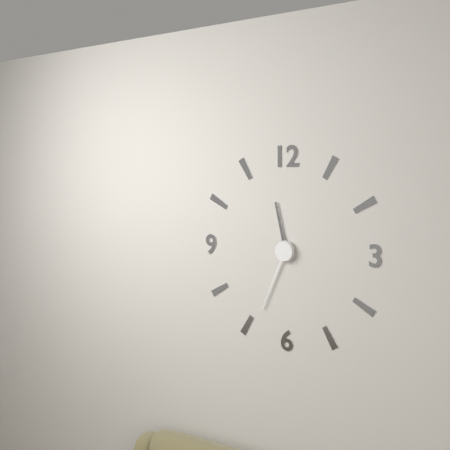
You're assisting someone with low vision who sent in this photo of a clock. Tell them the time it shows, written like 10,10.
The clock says 11,34
